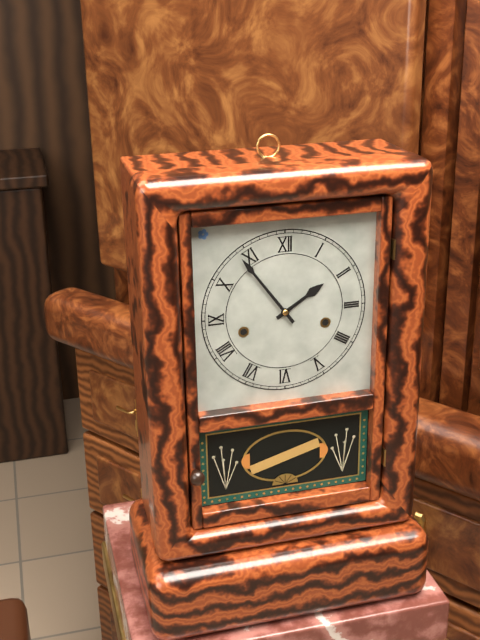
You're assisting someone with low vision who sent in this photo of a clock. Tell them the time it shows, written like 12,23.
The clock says 1,54
